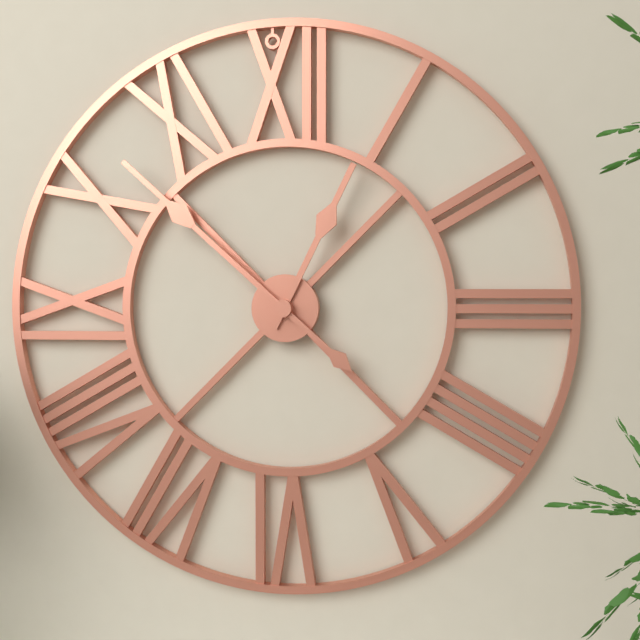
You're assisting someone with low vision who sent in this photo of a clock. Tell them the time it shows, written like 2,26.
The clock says 12,52
